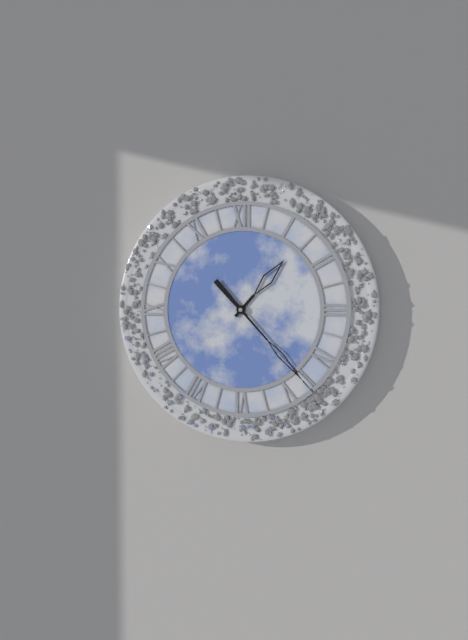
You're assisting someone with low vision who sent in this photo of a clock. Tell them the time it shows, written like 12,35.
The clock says 1,23
